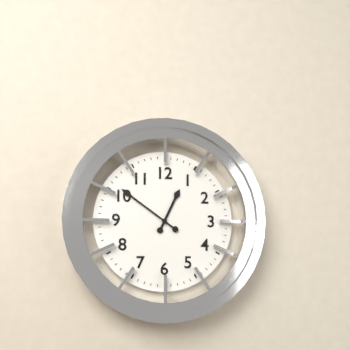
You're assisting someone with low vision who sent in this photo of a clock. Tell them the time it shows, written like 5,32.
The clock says 12,51
